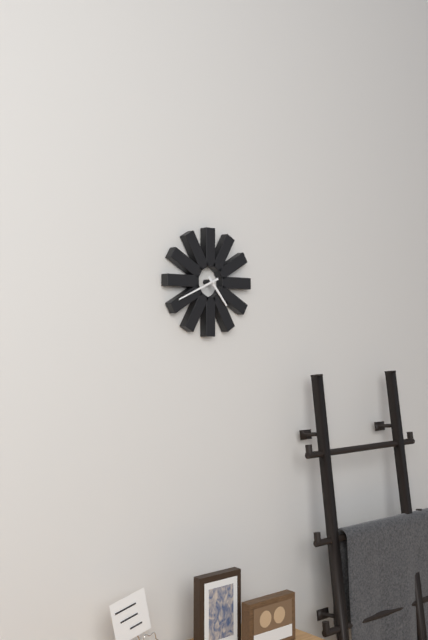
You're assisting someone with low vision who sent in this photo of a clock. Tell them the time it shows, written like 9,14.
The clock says 4,41
